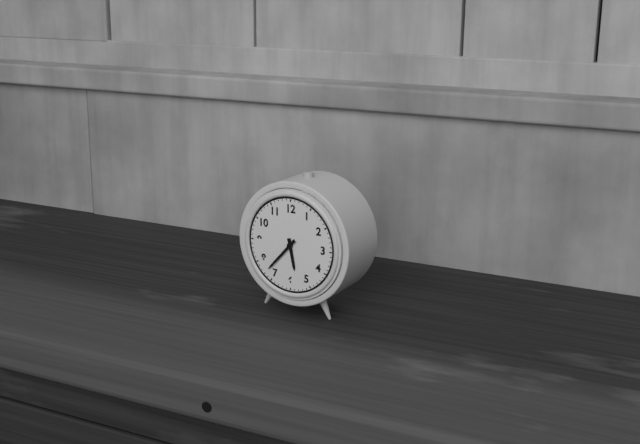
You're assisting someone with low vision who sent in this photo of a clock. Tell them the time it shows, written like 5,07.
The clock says 5,37
